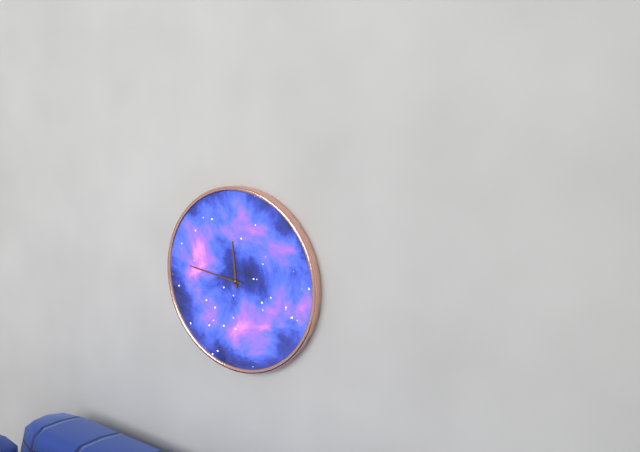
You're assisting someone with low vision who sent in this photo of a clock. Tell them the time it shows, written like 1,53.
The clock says 11,46
